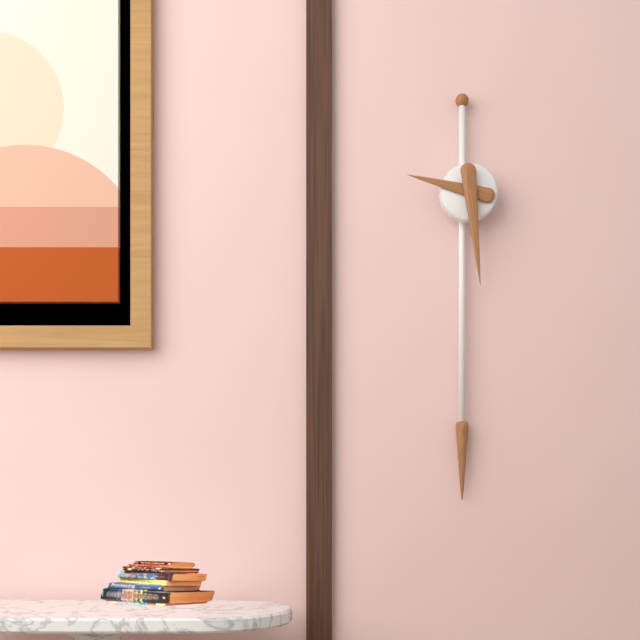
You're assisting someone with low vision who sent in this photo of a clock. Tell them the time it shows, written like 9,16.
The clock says 9,29
